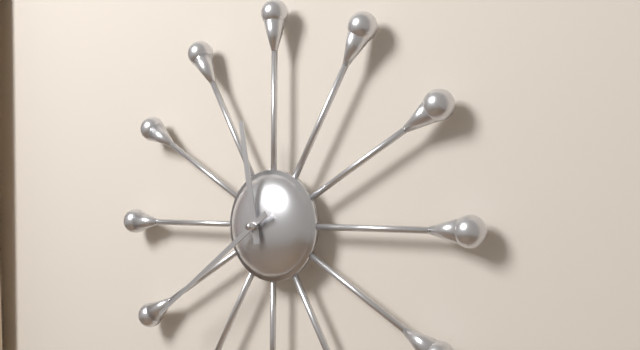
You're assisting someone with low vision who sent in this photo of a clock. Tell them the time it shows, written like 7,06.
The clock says 11,39
